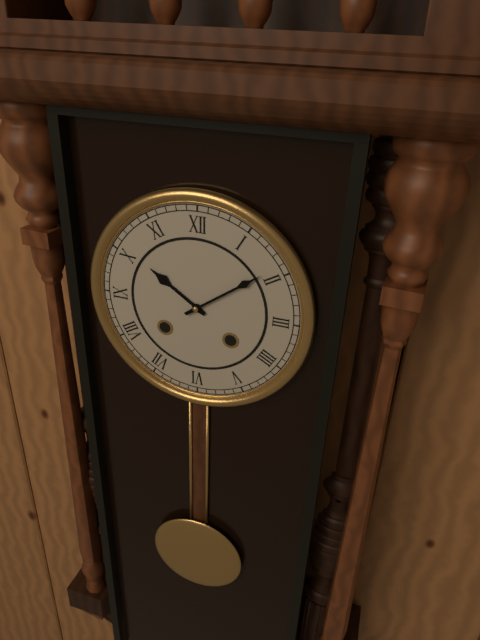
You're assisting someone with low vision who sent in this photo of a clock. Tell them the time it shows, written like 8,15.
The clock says 10,09
